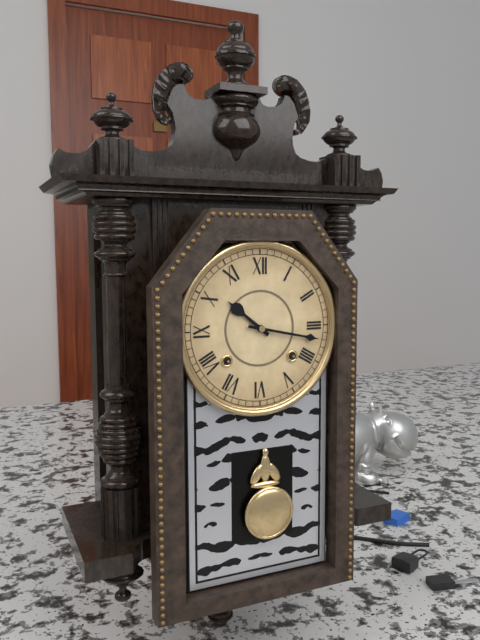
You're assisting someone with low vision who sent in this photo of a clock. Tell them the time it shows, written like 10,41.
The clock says 10,17
